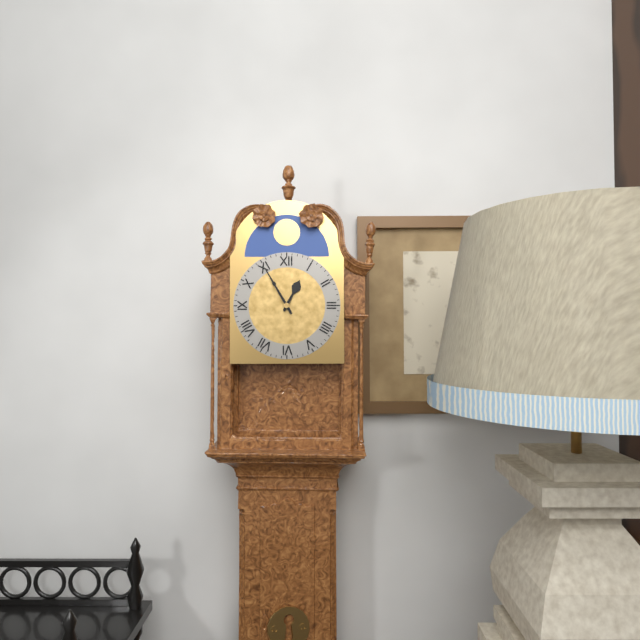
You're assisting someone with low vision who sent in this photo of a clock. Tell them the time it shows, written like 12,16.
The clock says 12,55
